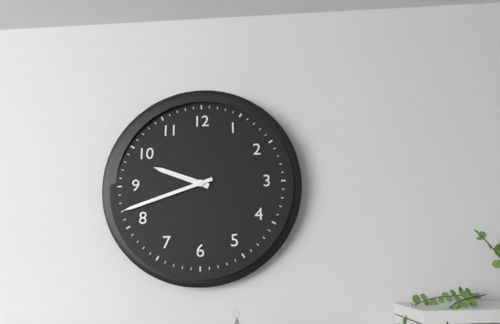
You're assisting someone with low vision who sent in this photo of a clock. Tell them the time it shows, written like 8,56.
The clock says 9,42
